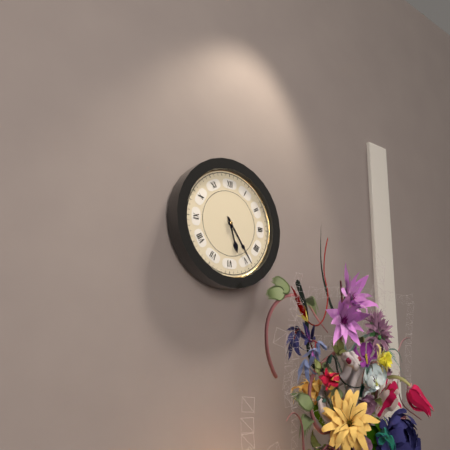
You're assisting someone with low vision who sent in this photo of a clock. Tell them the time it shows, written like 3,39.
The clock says 5,24
